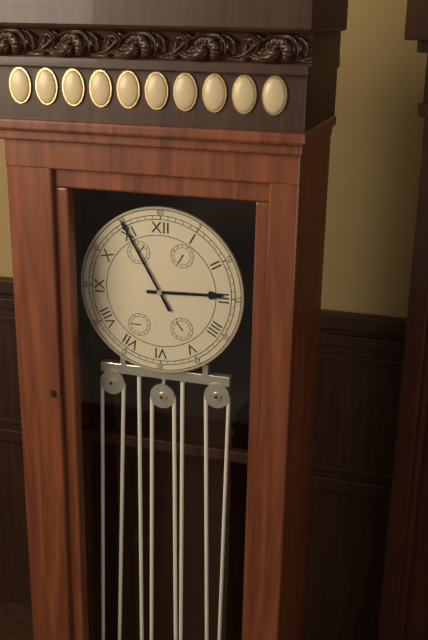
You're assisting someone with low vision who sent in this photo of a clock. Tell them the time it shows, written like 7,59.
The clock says 2,55
